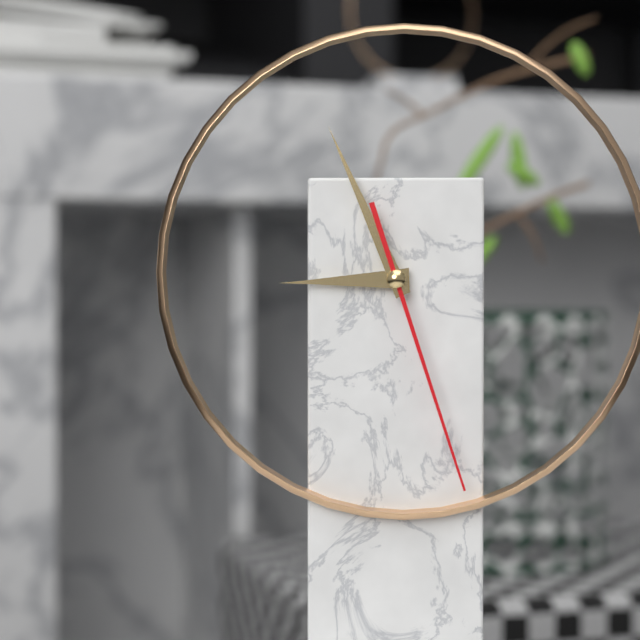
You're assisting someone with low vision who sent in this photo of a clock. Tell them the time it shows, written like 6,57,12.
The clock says 8,56,27
